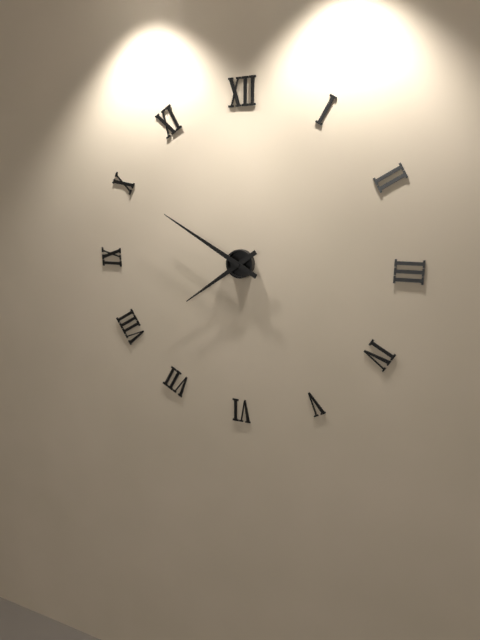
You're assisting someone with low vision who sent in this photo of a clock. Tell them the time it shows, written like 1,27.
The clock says 7,50
